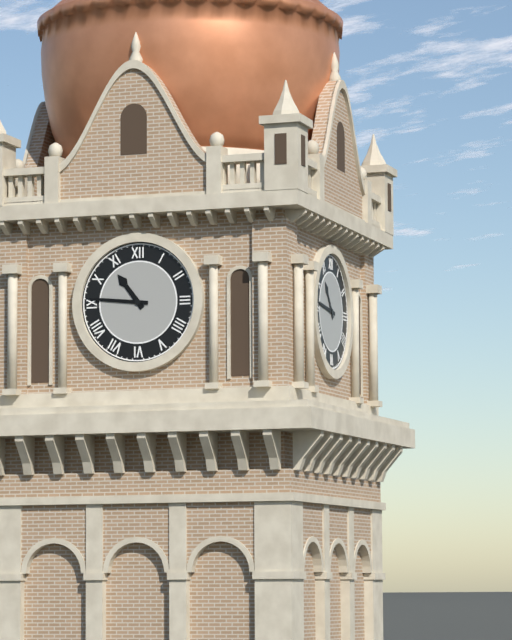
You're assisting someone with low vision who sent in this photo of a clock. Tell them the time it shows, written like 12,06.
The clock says 10,46
